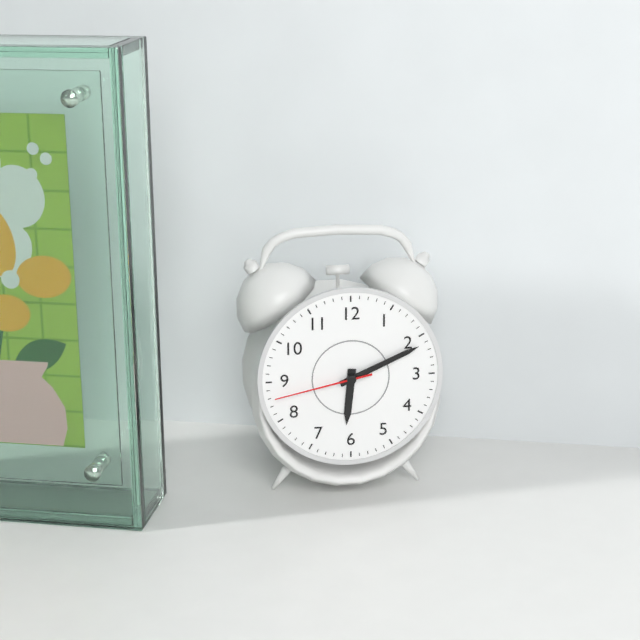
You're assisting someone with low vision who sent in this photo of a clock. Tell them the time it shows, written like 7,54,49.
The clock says 6,11,43
